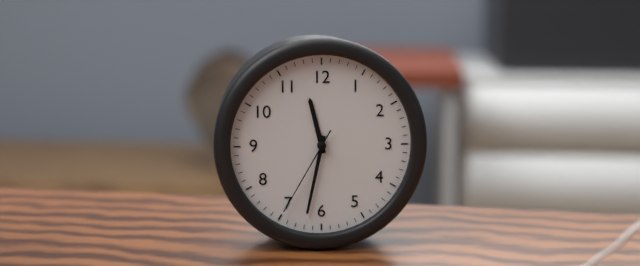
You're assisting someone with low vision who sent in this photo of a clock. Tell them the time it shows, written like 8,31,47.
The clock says 11,32,35
